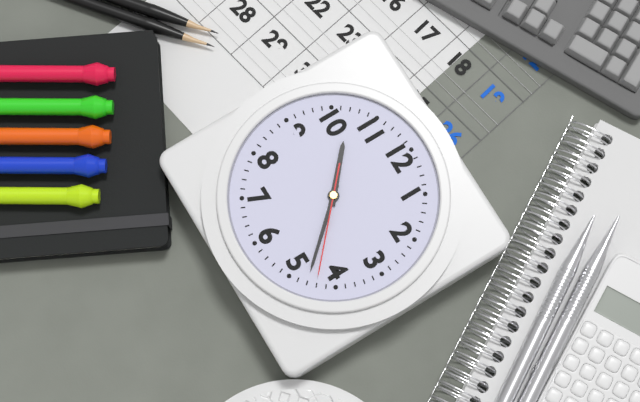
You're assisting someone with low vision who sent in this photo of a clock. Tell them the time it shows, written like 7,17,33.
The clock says 10,23,22
